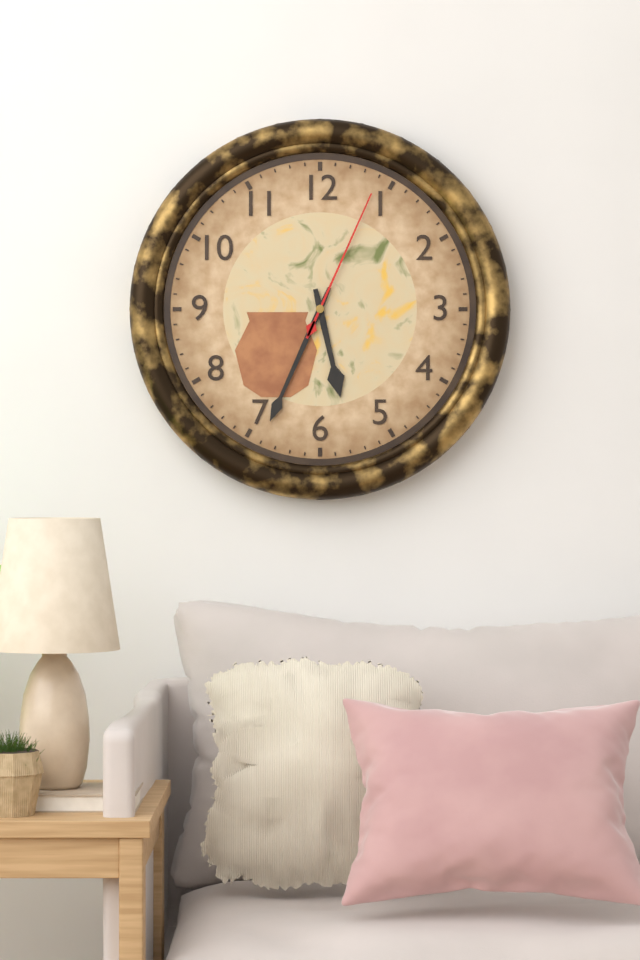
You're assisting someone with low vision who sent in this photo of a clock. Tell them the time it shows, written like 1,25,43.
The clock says 5,34,04
